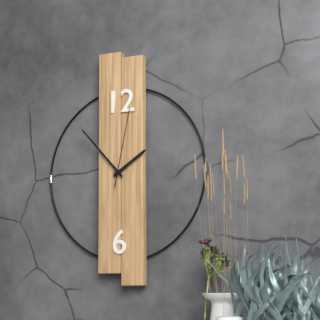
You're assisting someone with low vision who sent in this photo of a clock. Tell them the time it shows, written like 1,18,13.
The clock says 1,53,02
